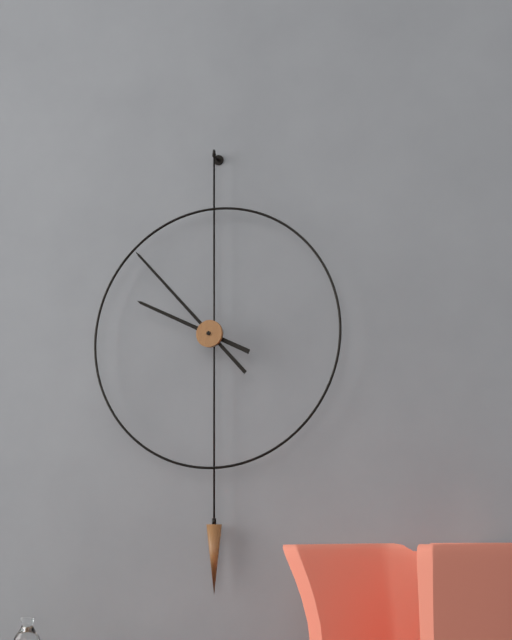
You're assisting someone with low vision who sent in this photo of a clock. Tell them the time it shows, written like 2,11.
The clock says 9,53
